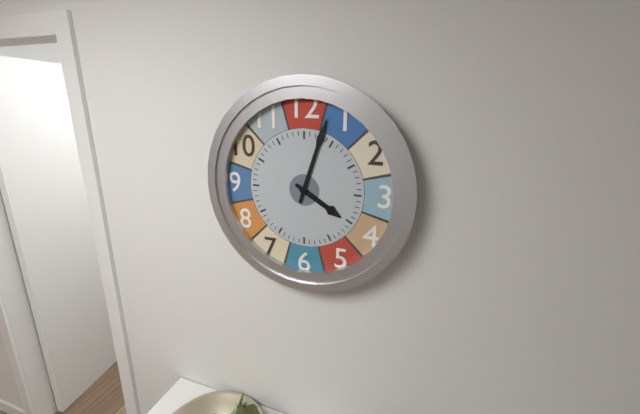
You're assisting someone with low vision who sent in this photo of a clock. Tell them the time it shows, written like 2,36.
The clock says 4,03
